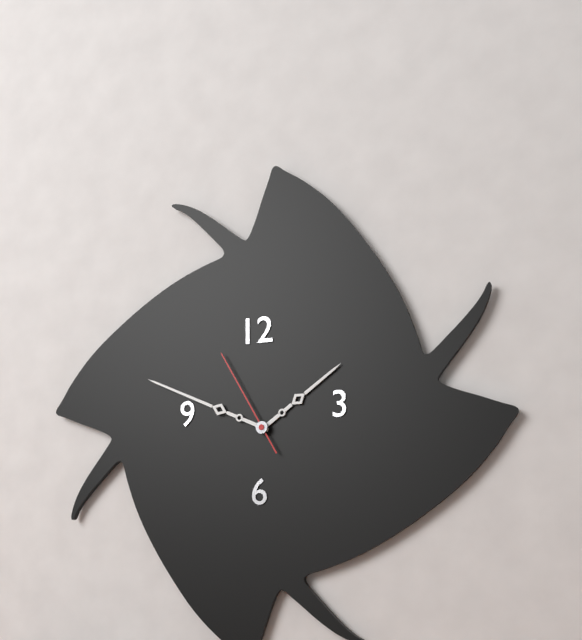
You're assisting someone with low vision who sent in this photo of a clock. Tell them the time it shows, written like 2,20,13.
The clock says 1,49,55
